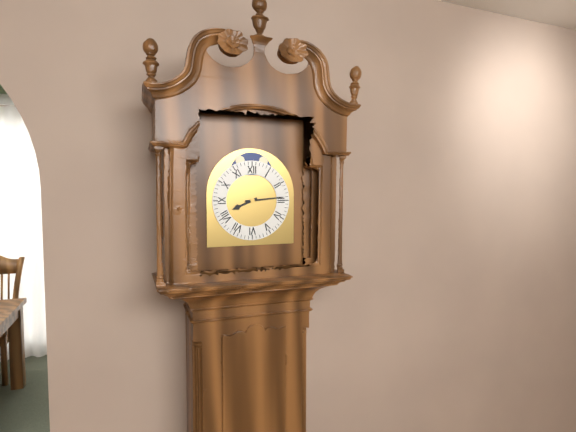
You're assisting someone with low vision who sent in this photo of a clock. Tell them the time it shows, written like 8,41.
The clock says 8,14
